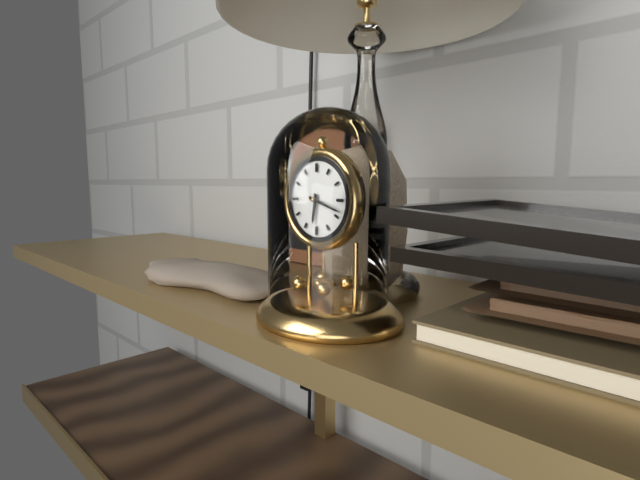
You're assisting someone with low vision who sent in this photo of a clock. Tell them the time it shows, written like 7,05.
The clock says 6,18
